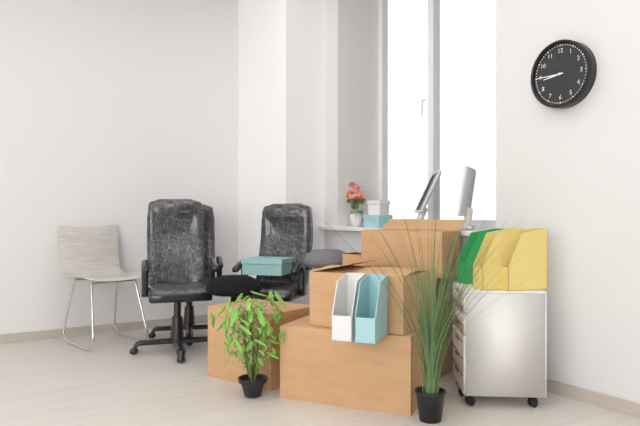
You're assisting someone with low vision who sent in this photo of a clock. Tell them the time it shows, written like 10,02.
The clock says 8,45
